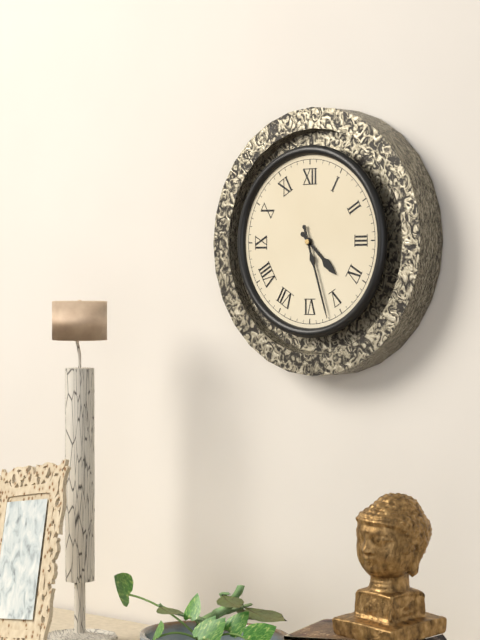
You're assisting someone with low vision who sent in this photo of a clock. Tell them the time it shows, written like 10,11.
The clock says 4,27
